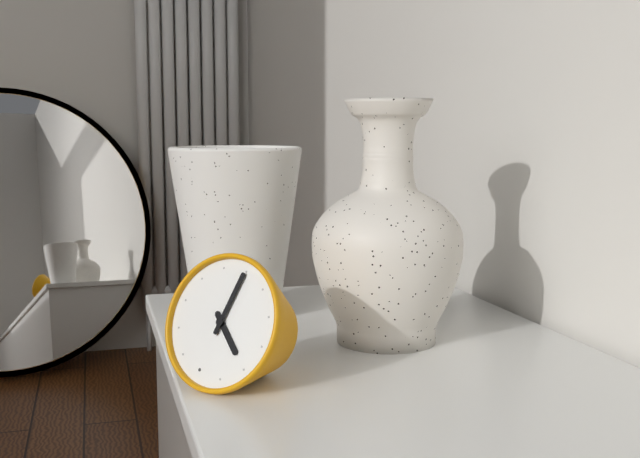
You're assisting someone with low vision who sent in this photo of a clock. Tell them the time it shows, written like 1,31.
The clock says 4,00
